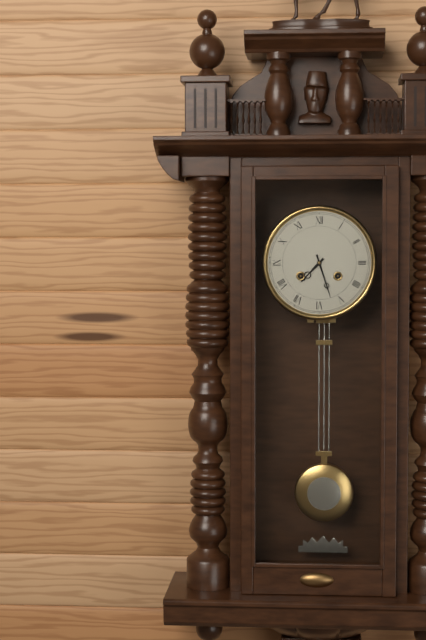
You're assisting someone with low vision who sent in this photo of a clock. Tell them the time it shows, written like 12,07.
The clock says 7,27
